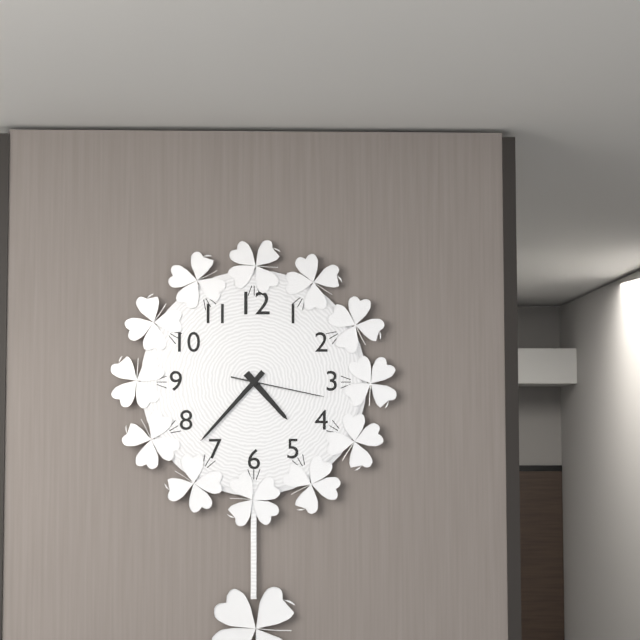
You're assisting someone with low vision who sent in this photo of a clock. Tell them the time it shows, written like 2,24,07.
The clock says 4,37,17
